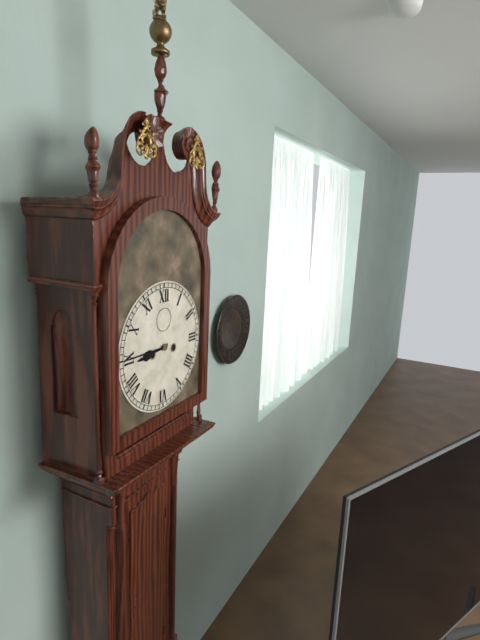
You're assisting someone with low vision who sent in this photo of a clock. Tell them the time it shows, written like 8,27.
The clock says 8,45
